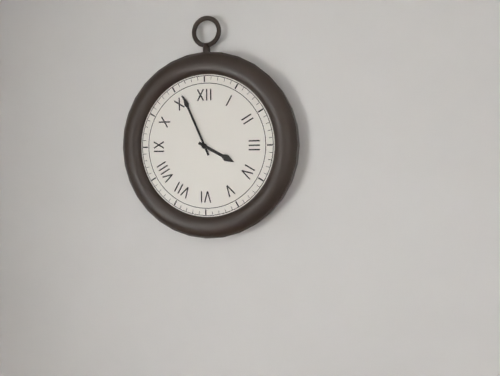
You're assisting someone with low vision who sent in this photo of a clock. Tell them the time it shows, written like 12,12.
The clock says 3,56
